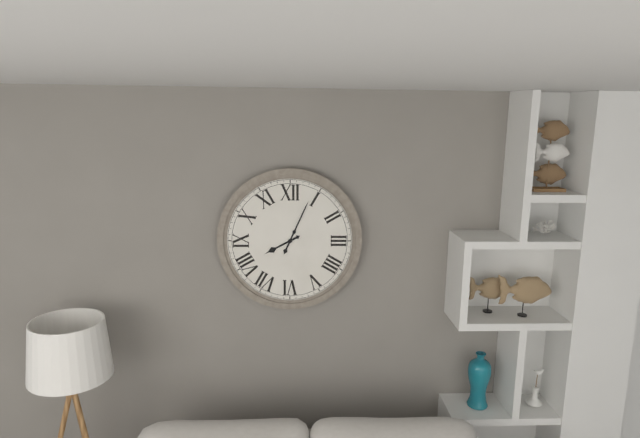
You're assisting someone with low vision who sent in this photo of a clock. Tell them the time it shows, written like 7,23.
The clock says 8,04
